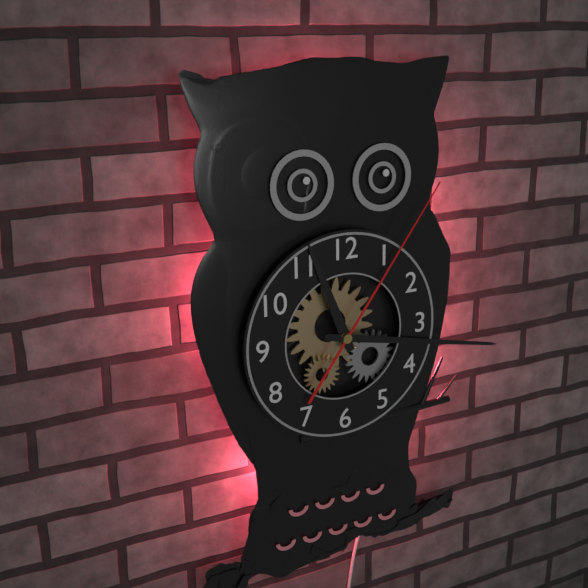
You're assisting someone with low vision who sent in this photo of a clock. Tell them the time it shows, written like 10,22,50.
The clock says 11,17,06
